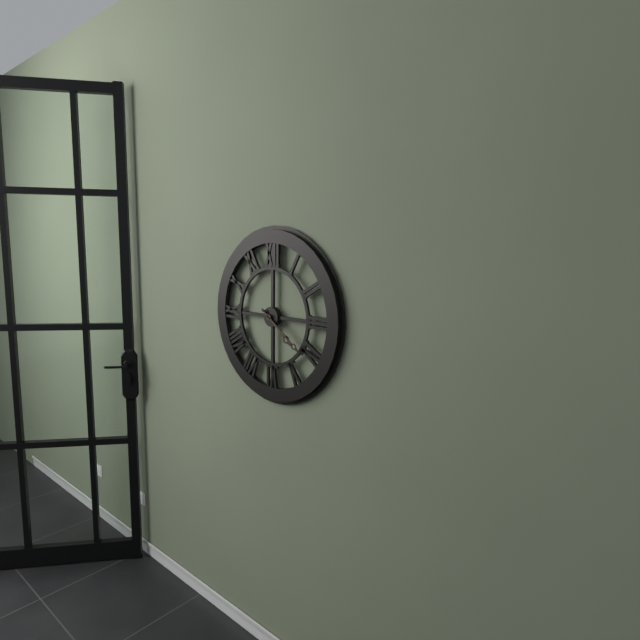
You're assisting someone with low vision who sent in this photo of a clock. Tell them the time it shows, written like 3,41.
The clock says 4,21
